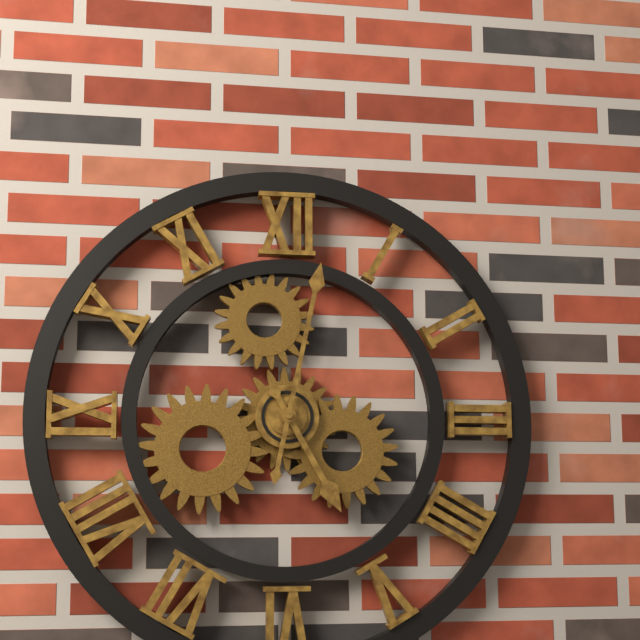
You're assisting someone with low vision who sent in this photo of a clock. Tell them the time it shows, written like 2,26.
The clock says 5,02
